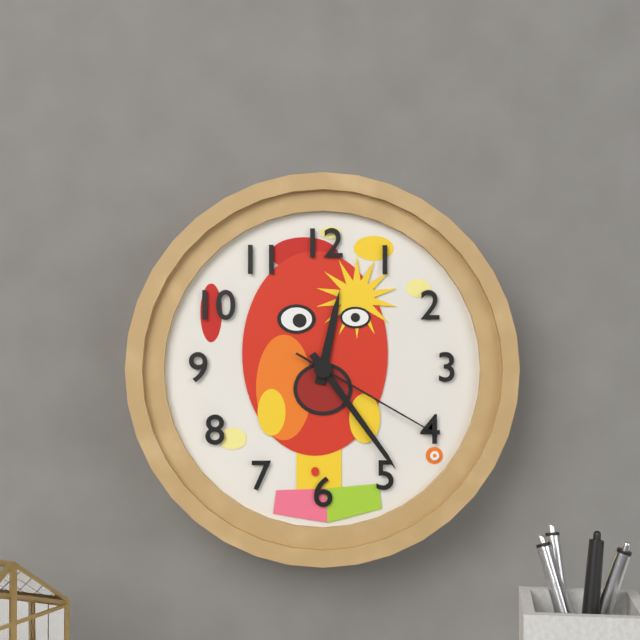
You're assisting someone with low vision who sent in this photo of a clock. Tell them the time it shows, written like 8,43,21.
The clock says 12,24,20
